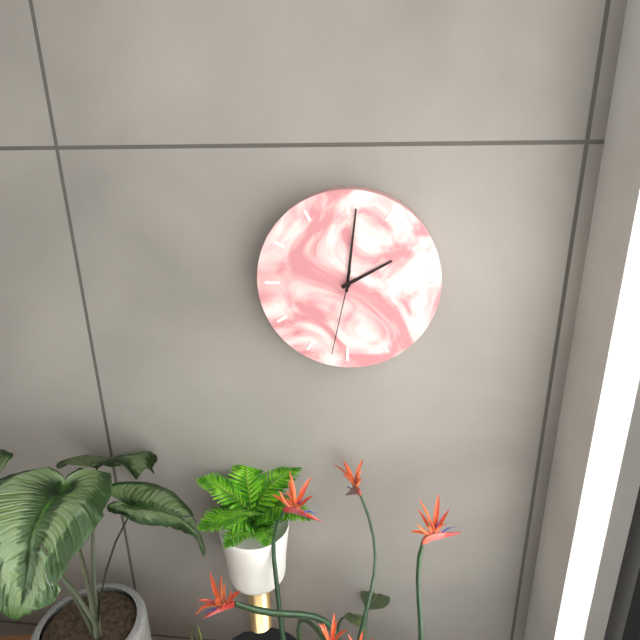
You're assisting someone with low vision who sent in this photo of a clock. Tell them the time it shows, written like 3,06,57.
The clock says 2,01,32
